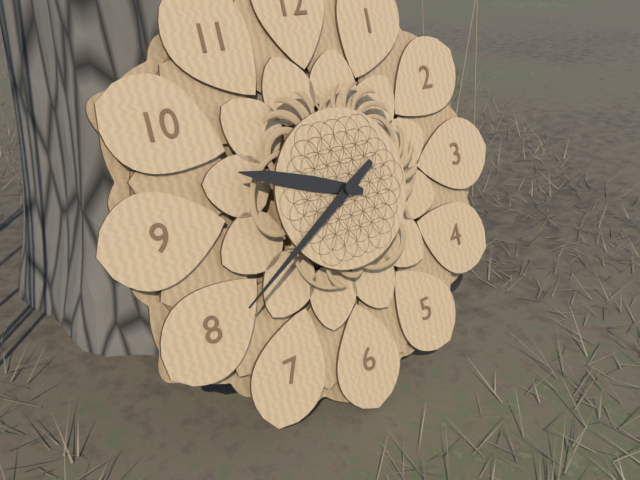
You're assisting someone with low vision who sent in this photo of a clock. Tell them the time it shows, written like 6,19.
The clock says 9,40
